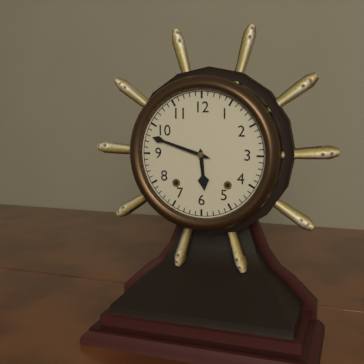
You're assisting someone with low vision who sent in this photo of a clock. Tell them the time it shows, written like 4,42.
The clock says 5,48
